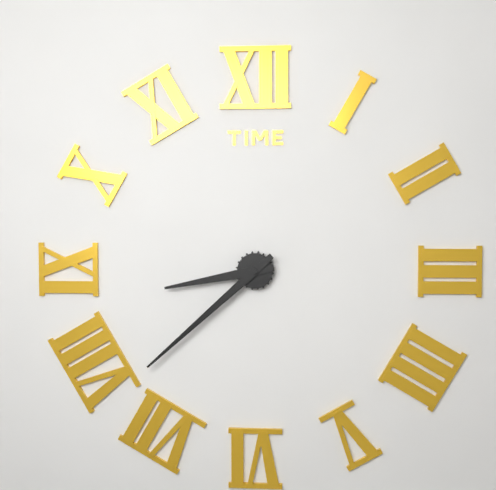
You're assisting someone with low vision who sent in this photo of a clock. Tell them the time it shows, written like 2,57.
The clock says 8,38
